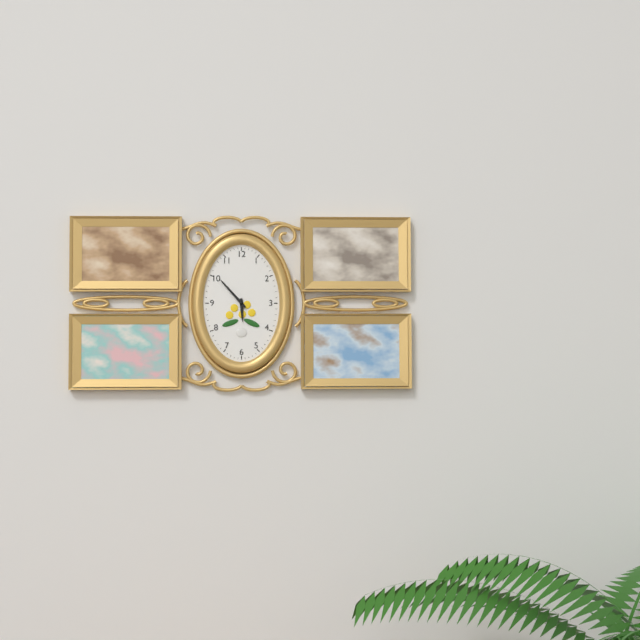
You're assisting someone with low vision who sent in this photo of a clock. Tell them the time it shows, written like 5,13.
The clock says 5,53
